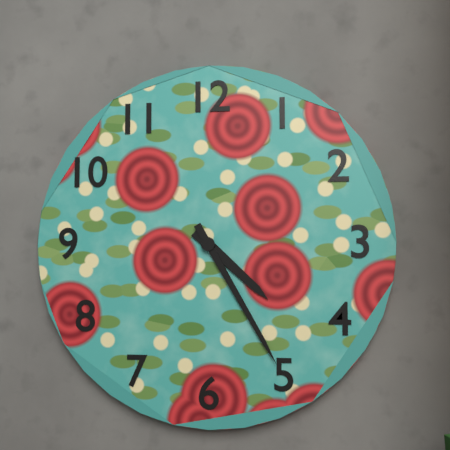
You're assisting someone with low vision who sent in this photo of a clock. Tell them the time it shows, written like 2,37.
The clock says 4,25
